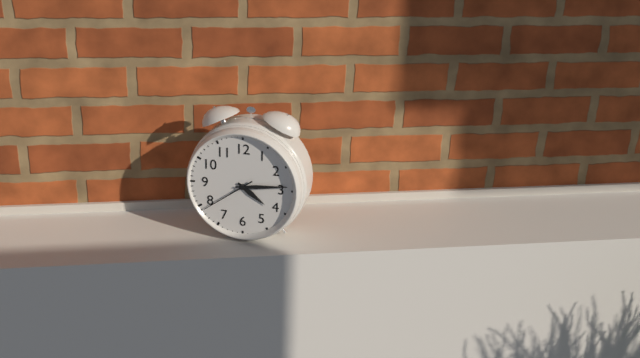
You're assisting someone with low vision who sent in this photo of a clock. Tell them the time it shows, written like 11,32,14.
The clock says 4,14,39
